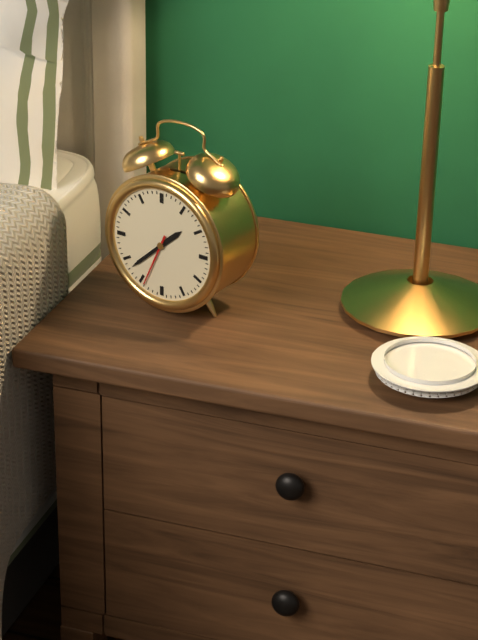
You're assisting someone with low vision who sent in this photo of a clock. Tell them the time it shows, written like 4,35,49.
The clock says 1,38,34
